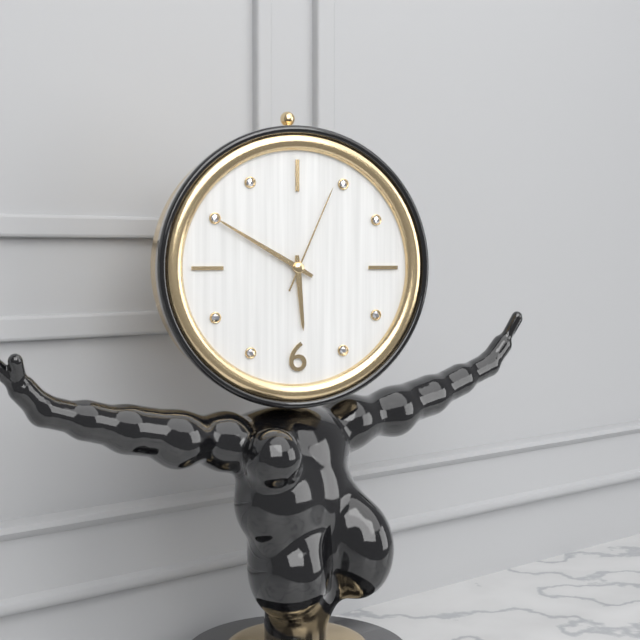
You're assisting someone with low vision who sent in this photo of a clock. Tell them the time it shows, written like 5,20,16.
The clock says 5,50,04
